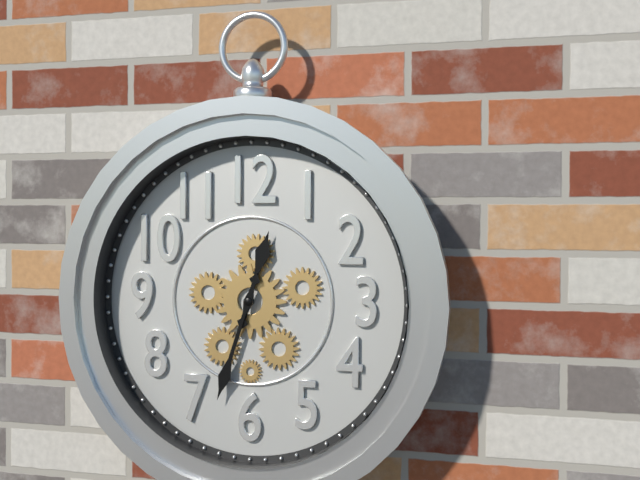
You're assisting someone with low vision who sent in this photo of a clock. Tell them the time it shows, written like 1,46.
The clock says 12,33
